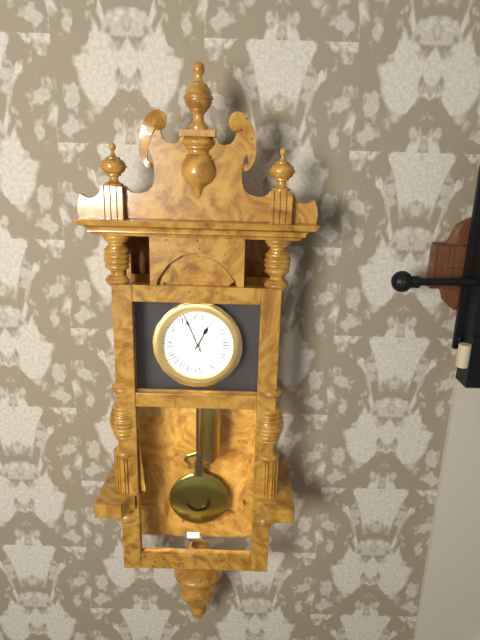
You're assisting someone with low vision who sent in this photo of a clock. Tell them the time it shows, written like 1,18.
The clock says 12,56
